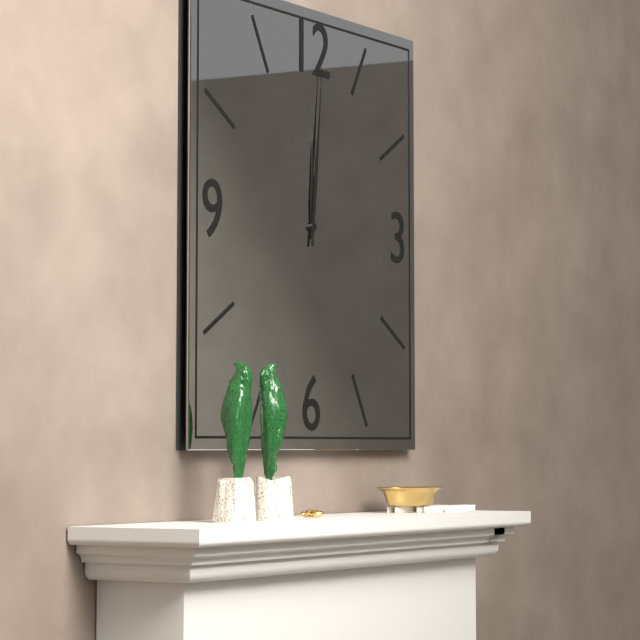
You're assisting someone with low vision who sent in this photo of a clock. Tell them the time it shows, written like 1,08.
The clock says 12,01
